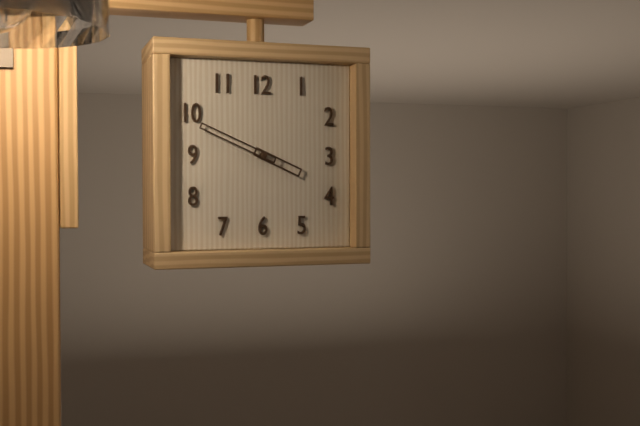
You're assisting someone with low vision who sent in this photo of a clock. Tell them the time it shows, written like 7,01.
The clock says 3,49
